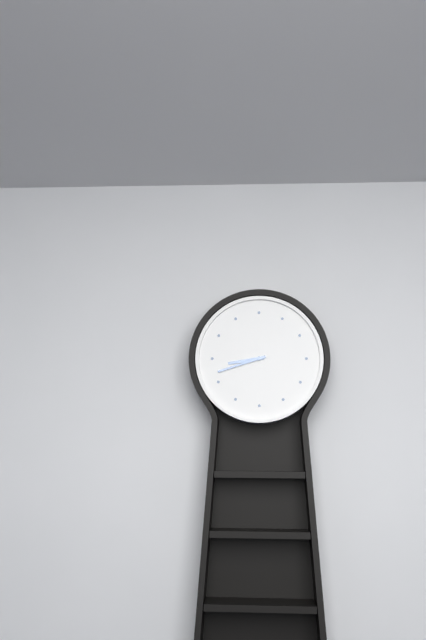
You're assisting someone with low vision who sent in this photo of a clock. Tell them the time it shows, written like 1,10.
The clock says 8,42
